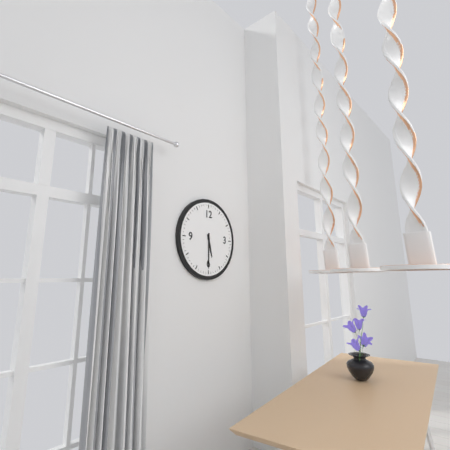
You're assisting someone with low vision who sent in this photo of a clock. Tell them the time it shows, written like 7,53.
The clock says 5,30
